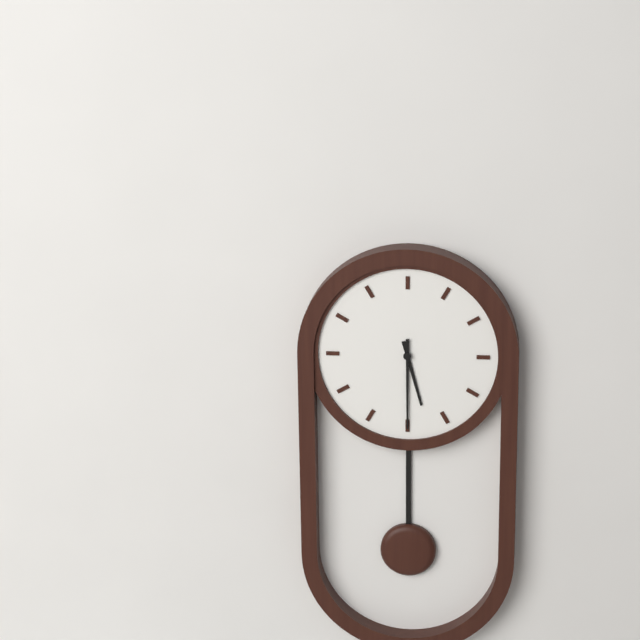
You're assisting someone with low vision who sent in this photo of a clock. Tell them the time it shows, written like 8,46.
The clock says 5,30
